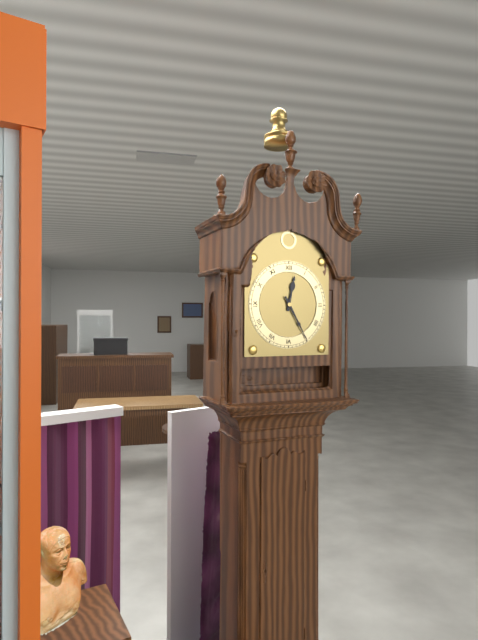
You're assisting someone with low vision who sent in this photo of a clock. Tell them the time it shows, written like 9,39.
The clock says 12,25
